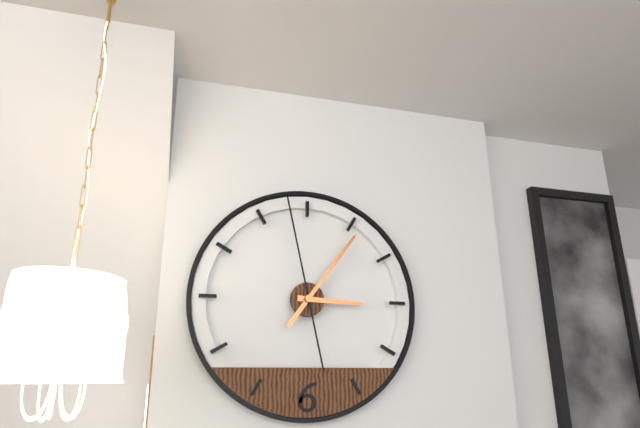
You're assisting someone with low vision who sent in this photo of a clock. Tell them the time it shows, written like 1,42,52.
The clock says 3,06,58
